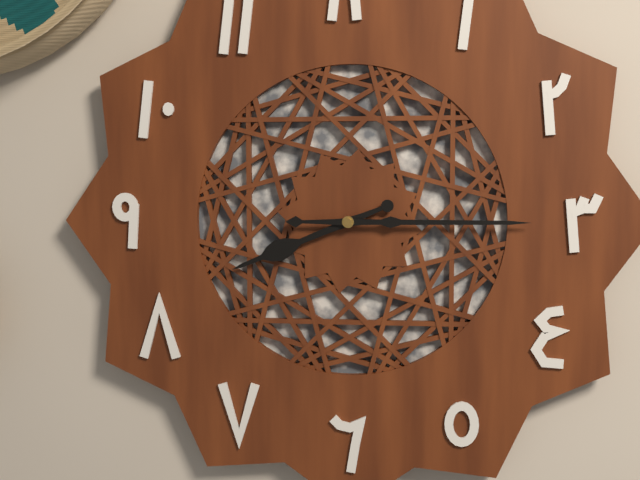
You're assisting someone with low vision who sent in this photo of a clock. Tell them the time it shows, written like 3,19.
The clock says 8,15
